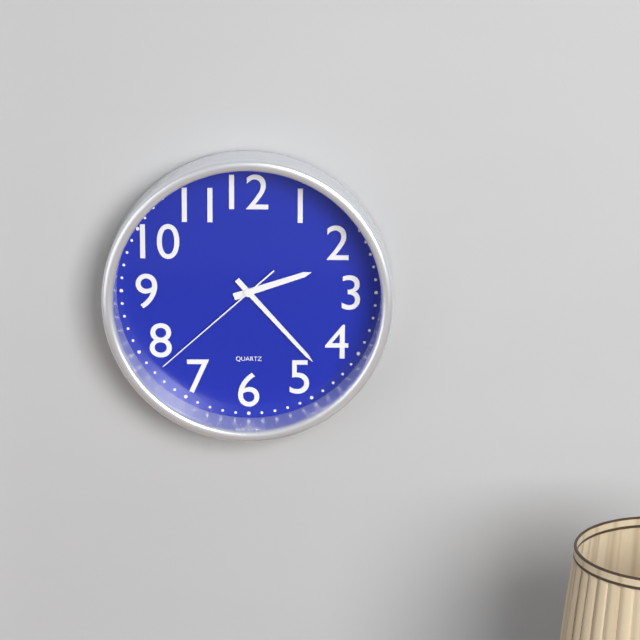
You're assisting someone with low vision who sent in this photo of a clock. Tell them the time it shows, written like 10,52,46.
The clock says 2,23,38
